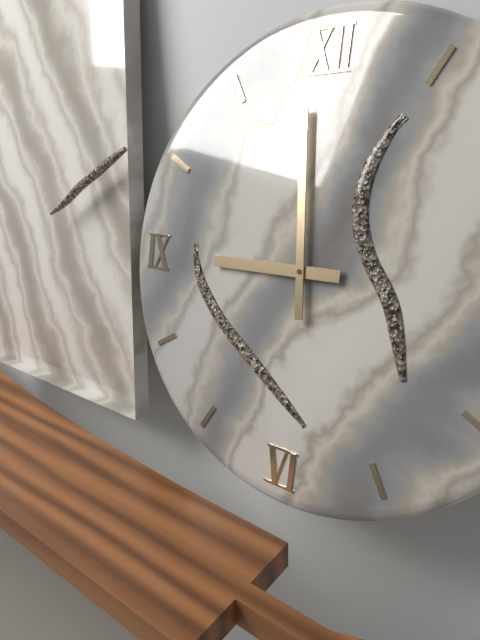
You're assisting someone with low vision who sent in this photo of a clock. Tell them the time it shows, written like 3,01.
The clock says 8,59
